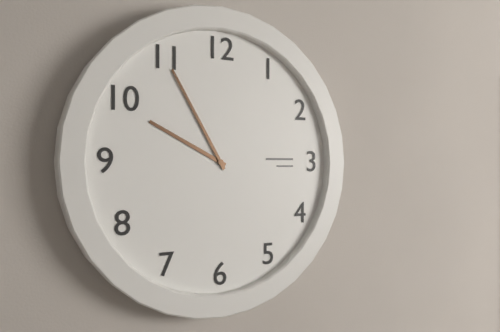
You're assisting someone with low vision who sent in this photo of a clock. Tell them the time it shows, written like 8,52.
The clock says 9,55
